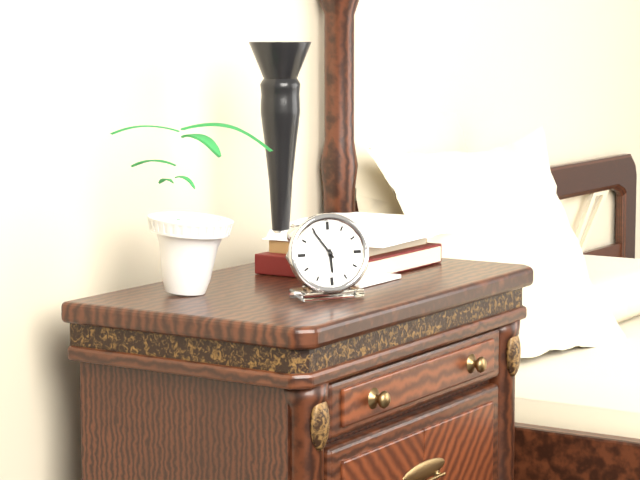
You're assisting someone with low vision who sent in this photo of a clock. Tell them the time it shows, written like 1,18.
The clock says 5,54
